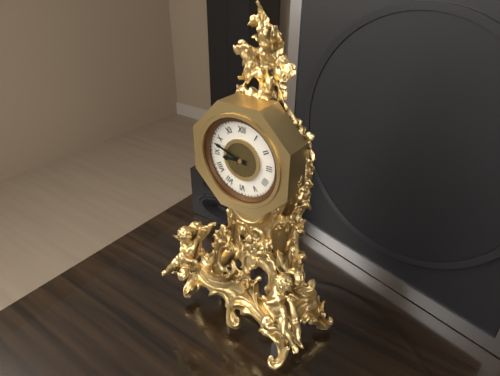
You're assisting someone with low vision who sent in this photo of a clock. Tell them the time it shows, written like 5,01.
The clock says 8,48
